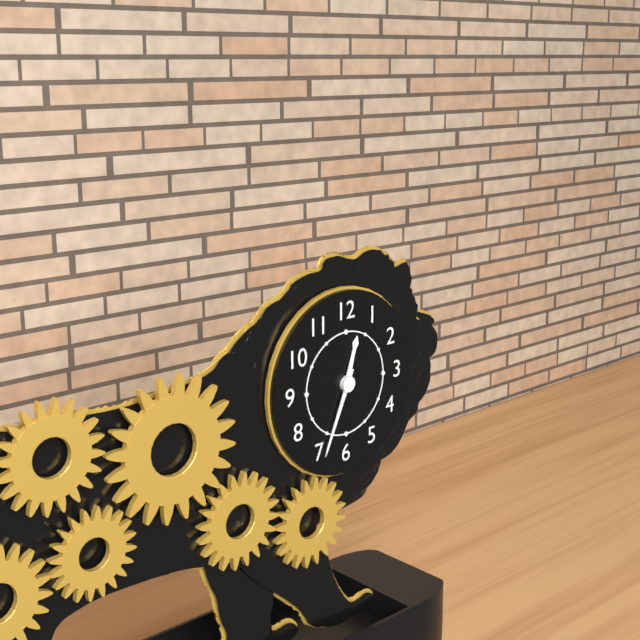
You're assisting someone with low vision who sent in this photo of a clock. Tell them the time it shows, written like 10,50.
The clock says 12,34
